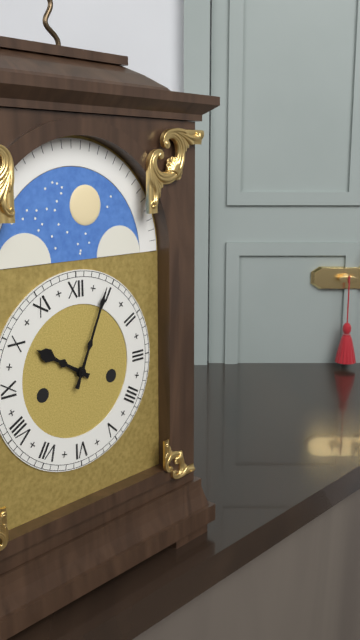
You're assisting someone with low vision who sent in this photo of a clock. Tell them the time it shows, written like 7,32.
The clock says 10,04
